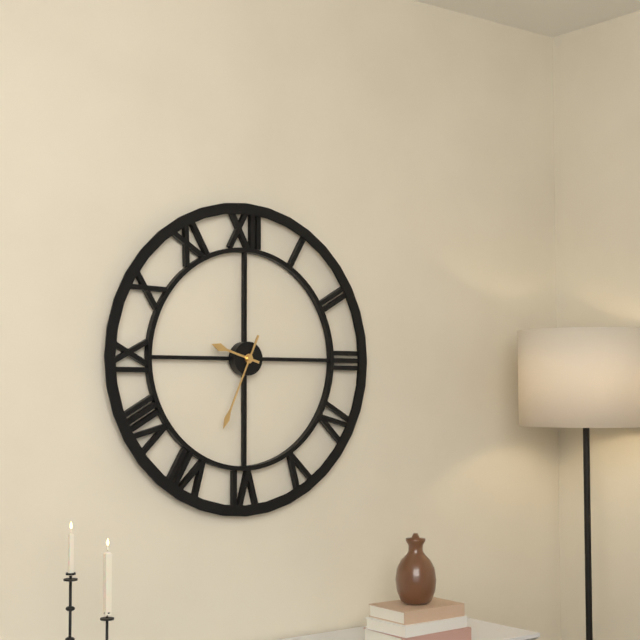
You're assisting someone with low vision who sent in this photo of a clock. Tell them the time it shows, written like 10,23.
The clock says 9,34
